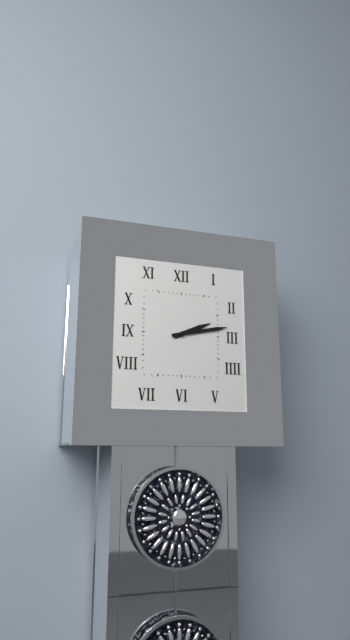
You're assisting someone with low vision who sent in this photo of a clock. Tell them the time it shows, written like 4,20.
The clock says 2,13
